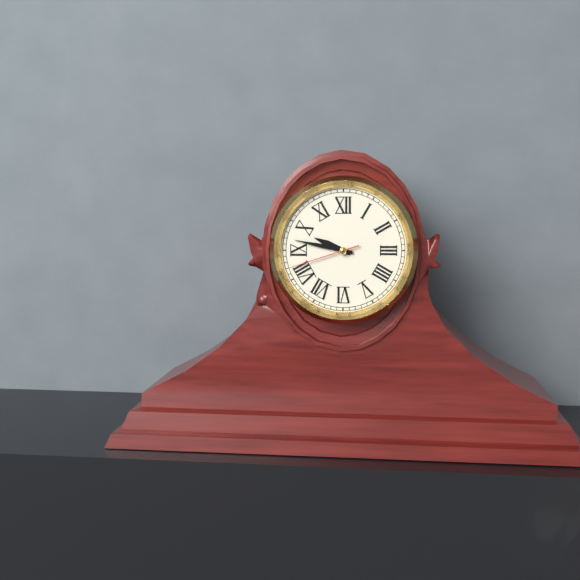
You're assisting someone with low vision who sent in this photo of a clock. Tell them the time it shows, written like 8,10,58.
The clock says 9,47,42
